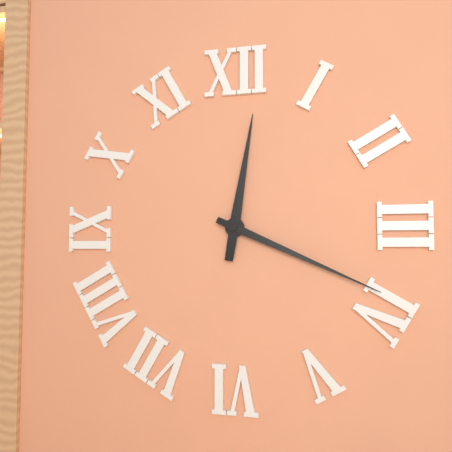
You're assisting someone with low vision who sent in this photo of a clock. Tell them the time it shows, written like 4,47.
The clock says 12,19
